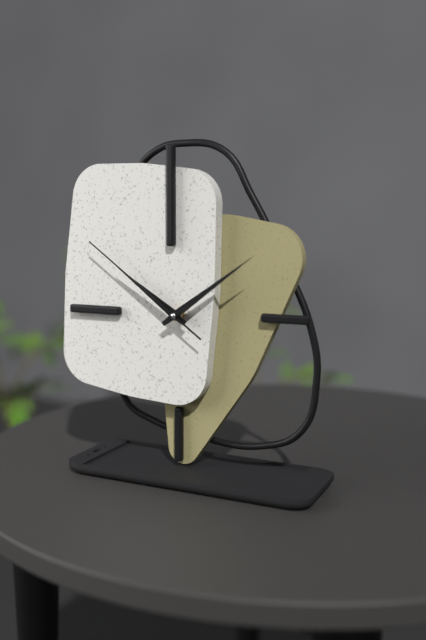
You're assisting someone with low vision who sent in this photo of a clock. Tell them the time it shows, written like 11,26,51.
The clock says 10,09,51
